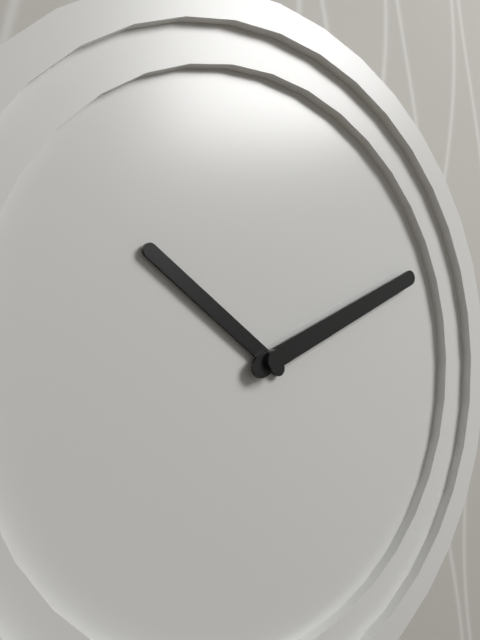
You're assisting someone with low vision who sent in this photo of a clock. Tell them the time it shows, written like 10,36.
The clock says 10,11
